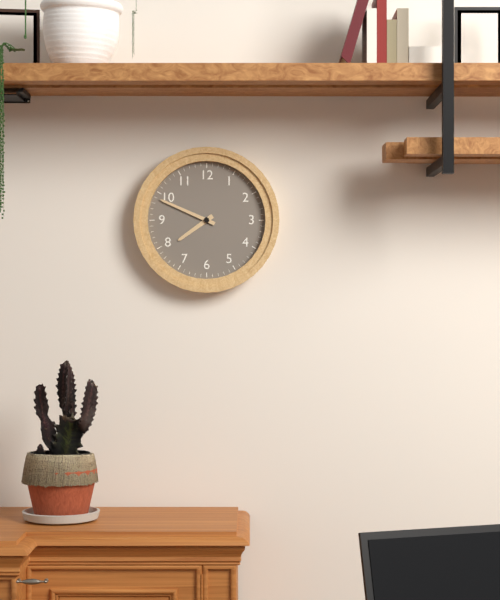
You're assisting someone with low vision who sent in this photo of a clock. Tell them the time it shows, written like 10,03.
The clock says 7,49
